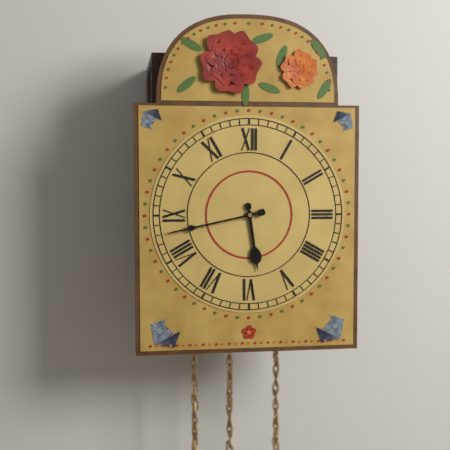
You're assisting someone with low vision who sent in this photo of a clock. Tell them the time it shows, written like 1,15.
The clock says 5,43
